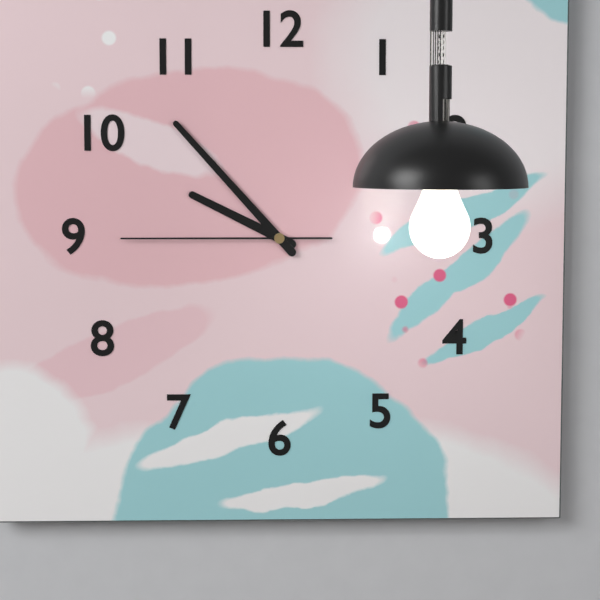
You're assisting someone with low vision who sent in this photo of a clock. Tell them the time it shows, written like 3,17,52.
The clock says 9,53,45
